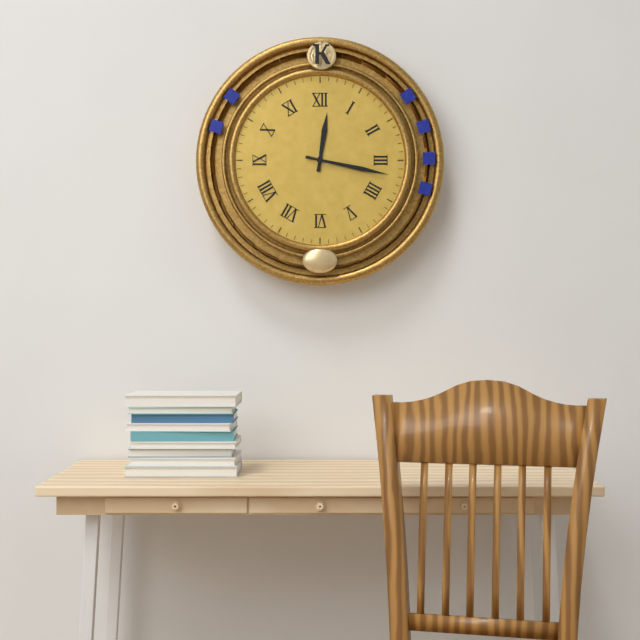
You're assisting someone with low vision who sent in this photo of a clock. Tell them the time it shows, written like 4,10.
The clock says 12,17
